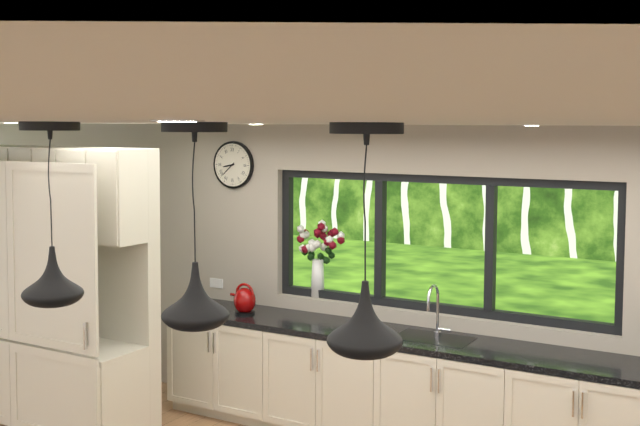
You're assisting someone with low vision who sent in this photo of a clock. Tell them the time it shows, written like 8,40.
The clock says 8,38
